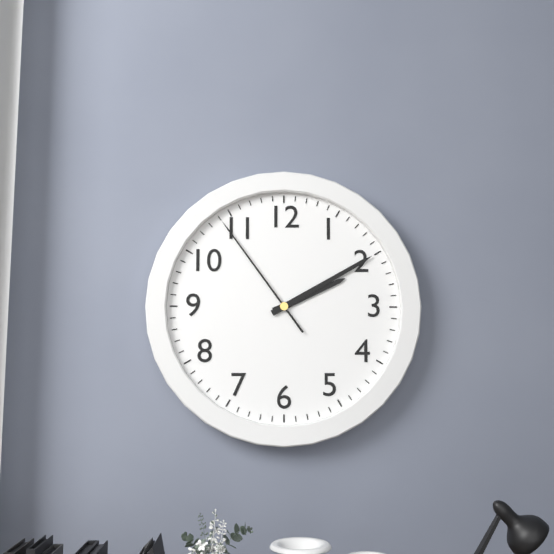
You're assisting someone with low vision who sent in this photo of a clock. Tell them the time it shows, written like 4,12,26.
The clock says 2,10,54
